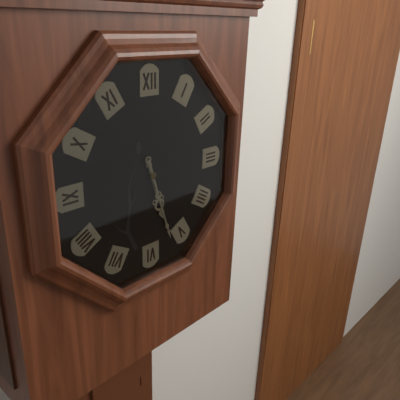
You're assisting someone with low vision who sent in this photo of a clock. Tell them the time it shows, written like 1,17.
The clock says 5,27
